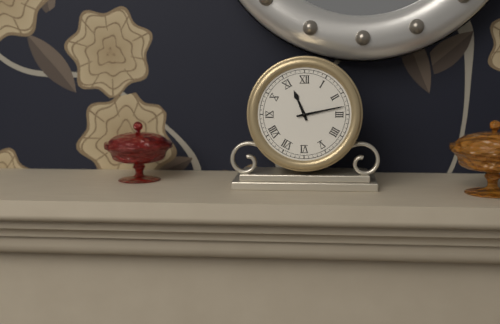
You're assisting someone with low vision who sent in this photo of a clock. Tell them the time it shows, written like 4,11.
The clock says 11,13
